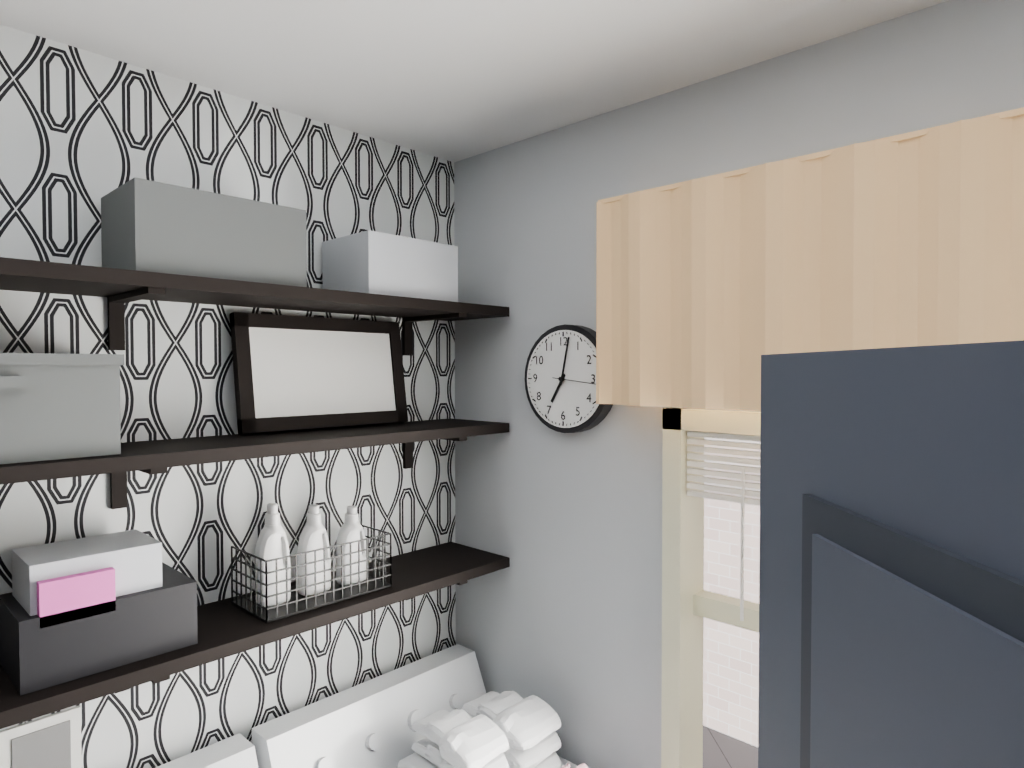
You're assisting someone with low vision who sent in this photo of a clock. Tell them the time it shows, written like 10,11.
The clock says 7,02
